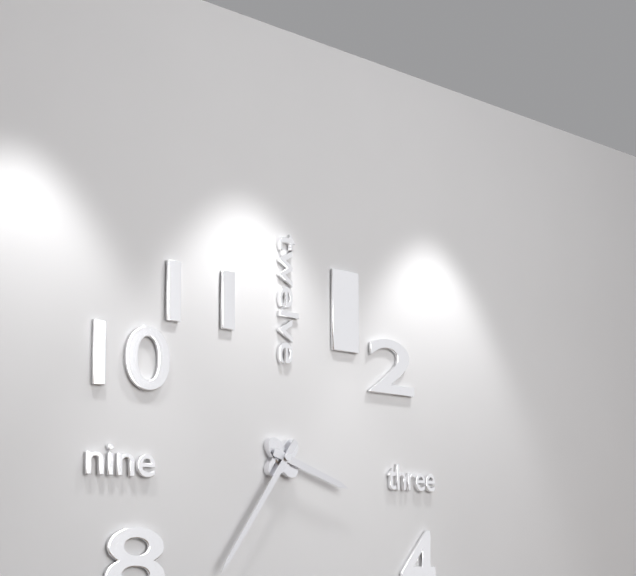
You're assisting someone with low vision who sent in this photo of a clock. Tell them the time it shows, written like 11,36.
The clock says 3,36
